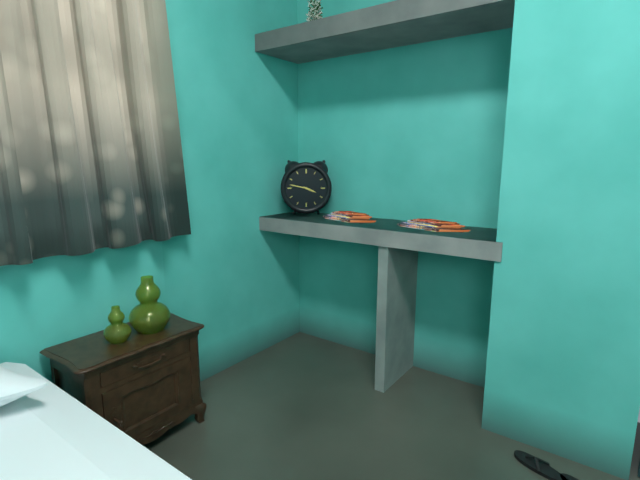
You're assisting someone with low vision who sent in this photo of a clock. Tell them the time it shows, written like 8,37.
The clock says 3,47
